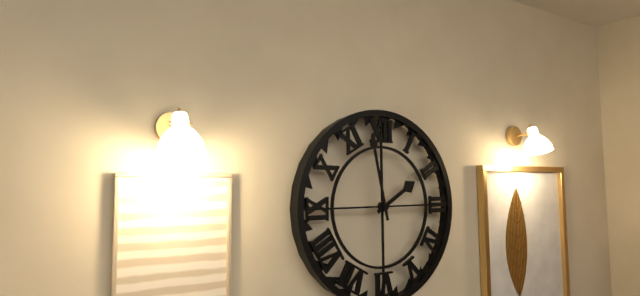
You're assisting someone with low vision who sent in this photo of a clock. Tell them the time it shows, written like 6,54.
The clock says 1,58
